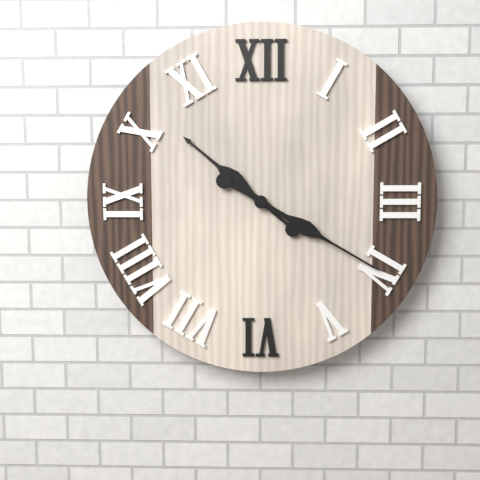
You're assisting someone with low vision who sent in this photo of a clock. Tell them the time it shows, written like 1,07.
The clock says 10,20
